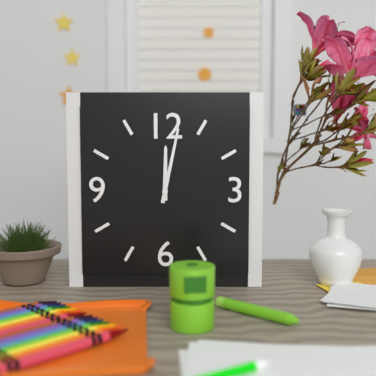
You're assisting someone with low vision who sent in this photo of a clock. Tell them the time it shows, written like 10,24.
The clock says 12,02
